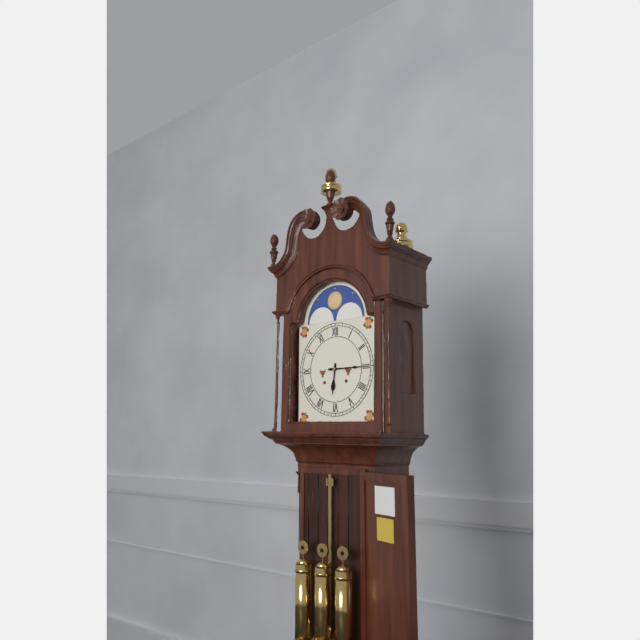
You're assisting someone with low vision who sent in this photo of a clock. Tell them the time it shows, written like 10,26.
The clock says 6,15
